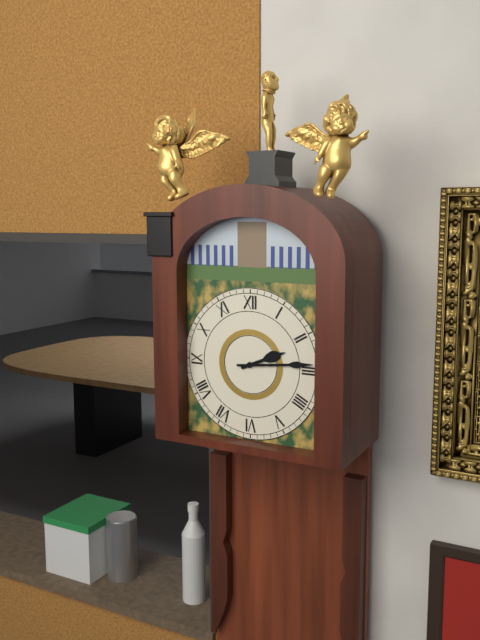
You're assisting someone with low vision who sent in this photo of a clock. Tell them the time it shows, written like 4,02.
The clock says 2,14
